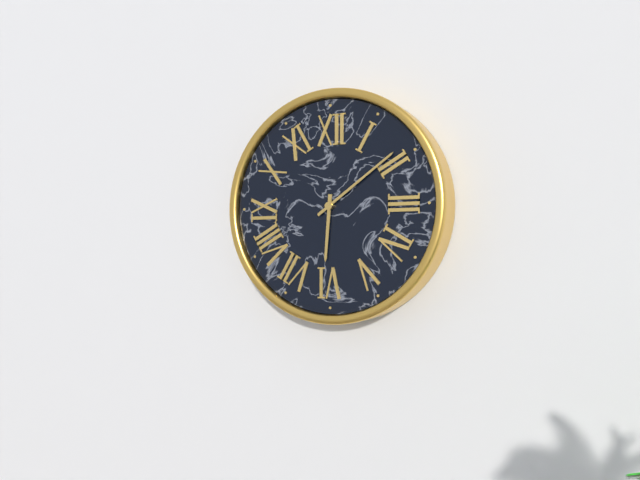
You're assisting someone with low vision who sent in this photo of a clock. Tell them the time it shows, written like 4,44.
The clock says 6,09
